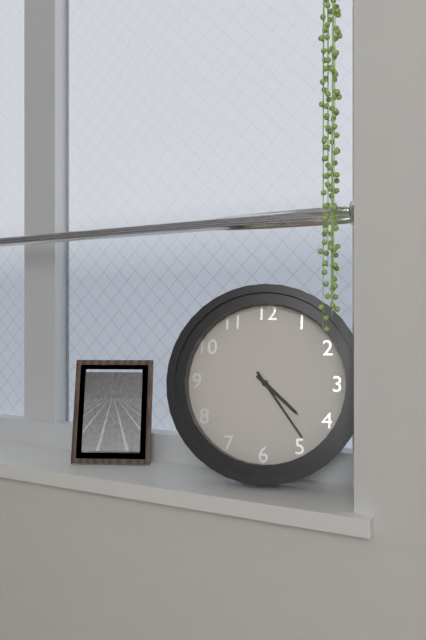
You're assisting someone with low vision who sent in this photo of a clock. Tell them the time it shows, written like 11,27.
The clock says 4,24
